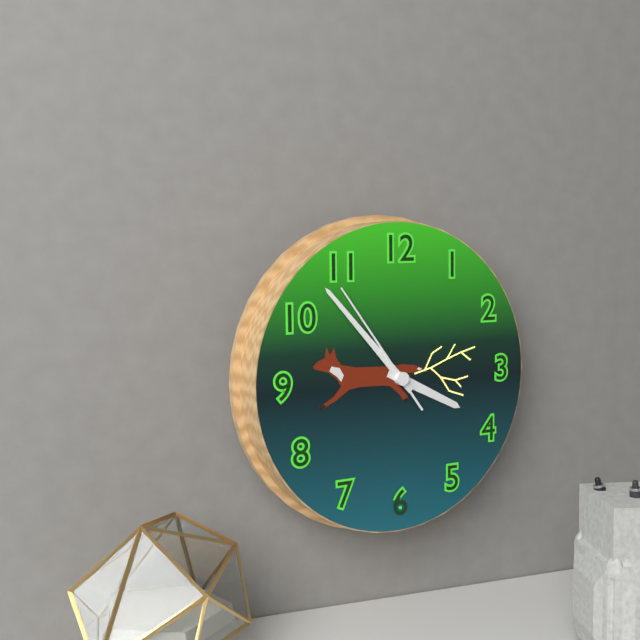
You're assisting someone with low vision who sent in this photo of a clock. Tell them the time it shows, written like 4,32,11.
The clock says 3,53,54
